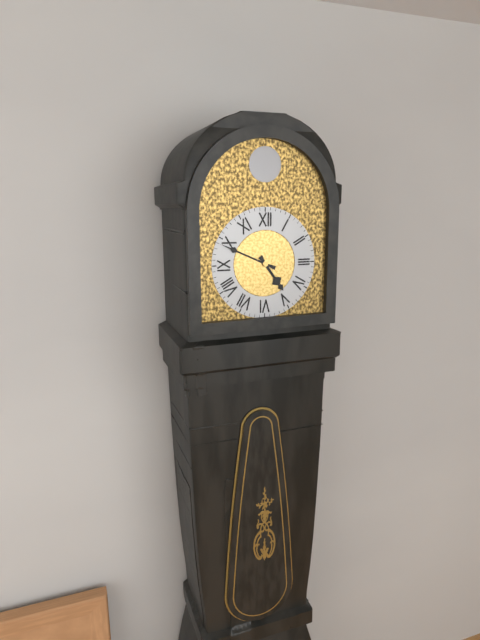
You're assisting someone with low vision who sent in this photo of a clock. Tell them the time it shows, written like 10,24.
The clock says 4,49
